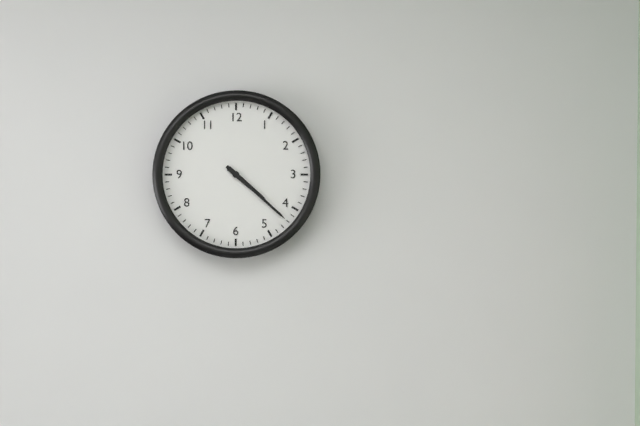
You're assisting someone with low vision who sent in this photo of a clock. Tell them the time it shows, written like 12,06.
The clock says 4,22
